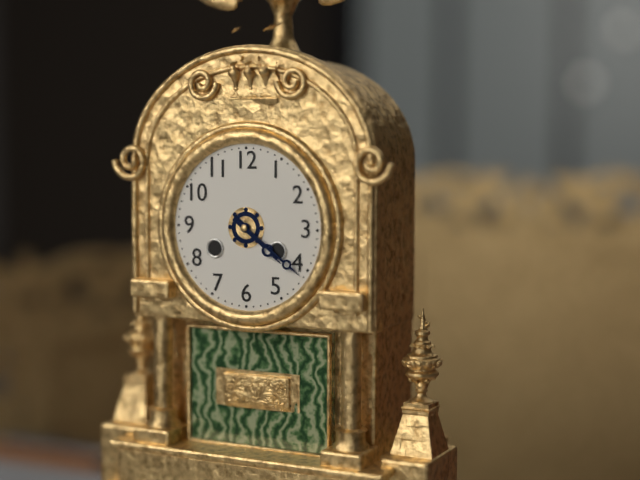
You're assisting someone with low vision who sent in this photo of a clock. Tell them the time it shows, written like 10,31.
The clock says 4,21
